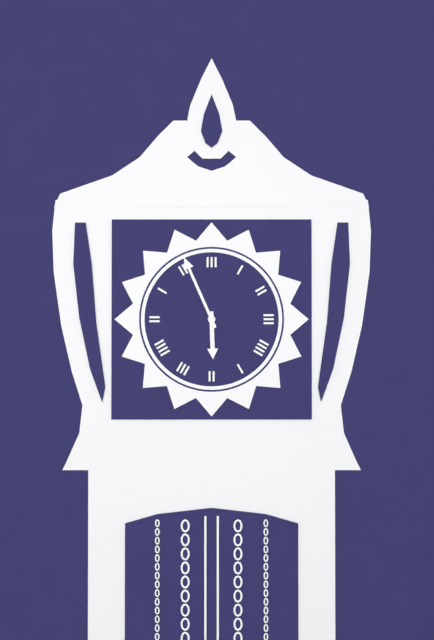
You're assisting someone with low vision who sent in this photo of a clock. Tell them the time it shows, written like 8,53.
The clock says 5,56
